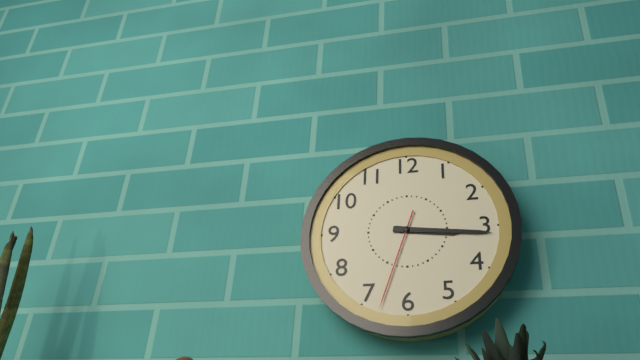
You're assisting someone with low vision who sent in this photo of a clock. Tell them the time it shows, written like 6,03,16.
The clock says 3,16,33
